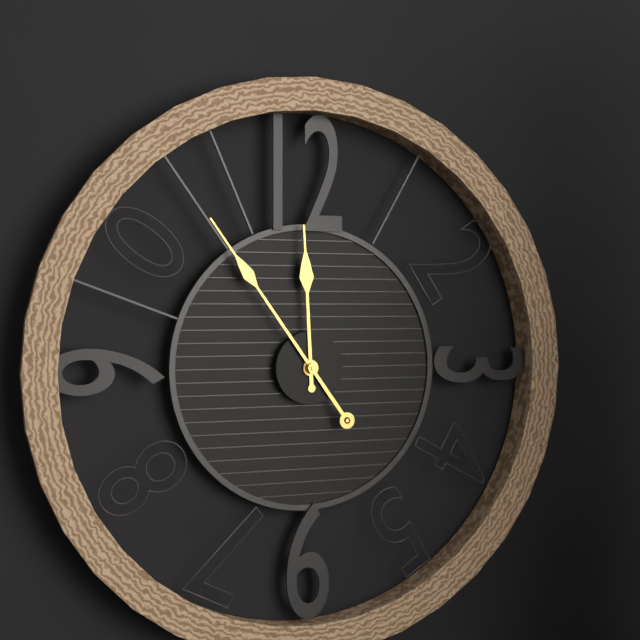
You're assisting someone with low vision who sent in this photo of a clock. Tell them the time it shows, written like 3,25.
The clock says 11,54
